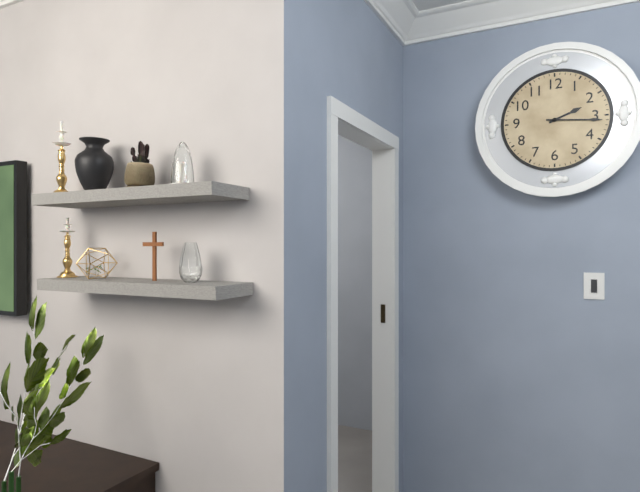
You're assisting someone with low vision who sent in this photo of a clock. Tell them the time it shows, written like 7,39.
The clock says 2,16
